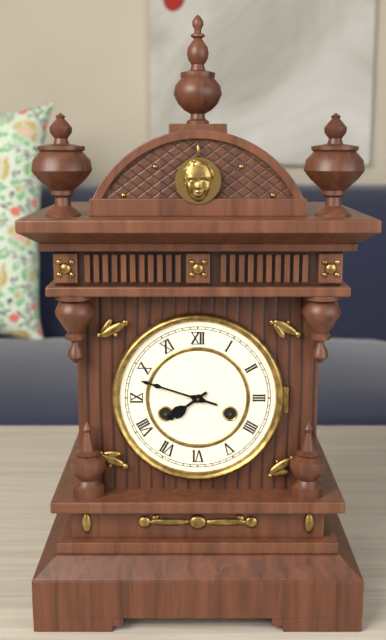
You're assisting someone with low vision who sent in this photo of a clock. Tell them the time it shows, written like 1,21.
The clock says 7,48
